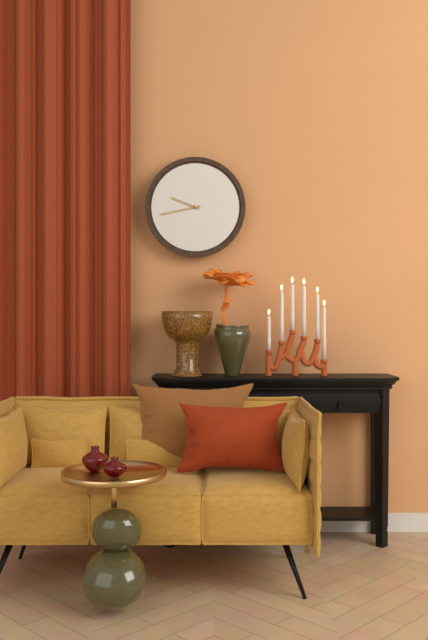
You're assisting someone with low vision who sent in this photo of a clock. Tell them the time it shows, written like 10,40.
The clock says 9,43
